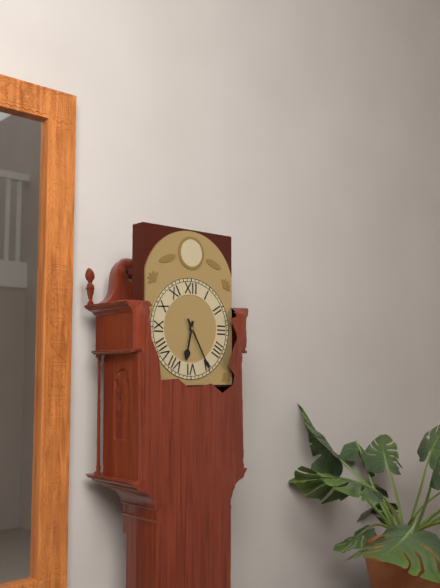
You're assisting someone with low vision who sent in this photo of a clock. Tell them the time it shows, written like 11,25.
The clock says 6,25
